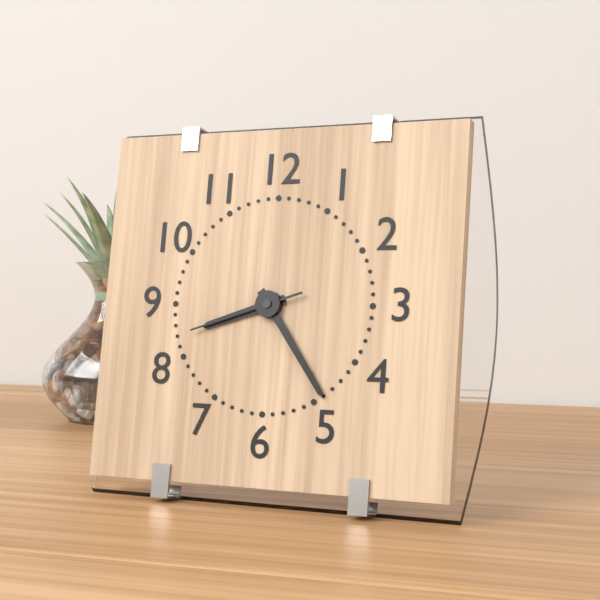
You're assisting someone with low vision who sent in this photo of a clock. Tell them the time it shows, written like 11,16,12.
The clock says 8,24,42
